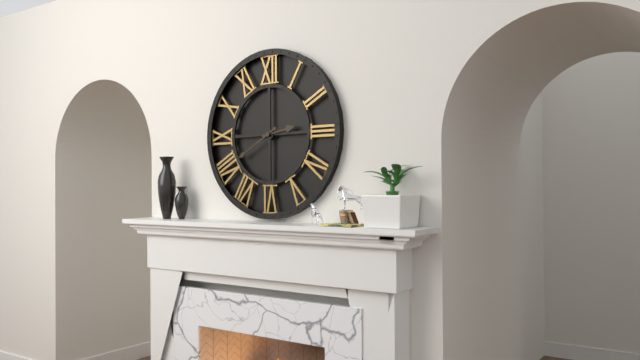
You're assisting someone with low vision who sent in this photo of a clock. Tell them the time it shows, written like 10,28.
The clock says 2,40
